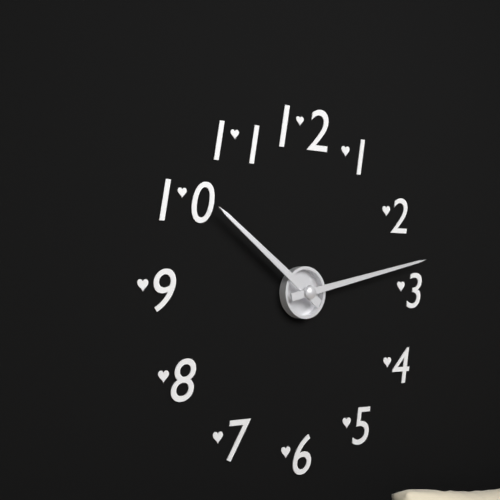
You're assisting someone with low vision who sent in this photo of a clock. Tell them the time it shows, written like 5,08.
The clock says 10,13
